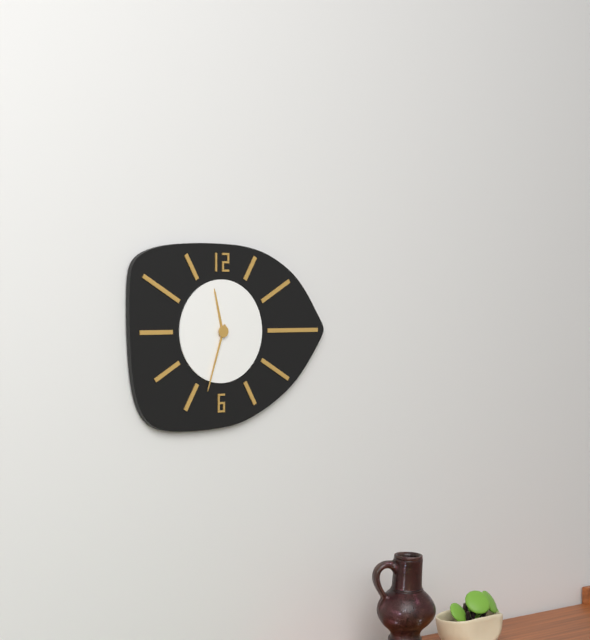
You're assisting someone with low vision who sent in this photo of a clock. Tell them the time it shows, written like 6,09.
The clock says 11,33
